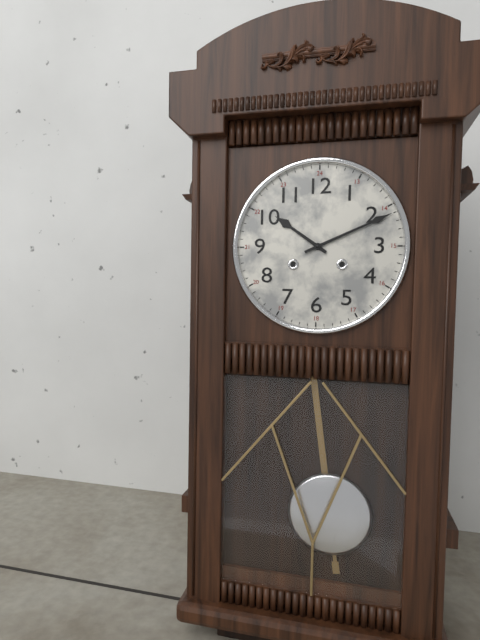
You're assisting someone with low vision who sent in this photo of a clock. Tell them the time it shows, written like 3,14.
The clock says 10,11
